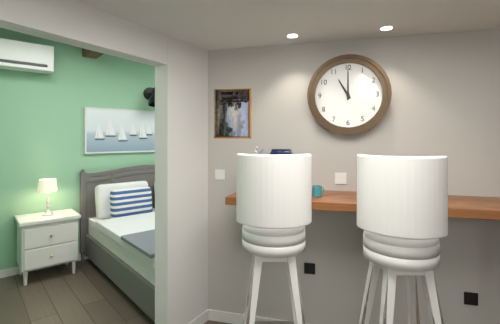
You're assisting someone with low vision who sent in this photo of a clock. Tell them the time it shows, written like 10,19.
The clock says 11,00
